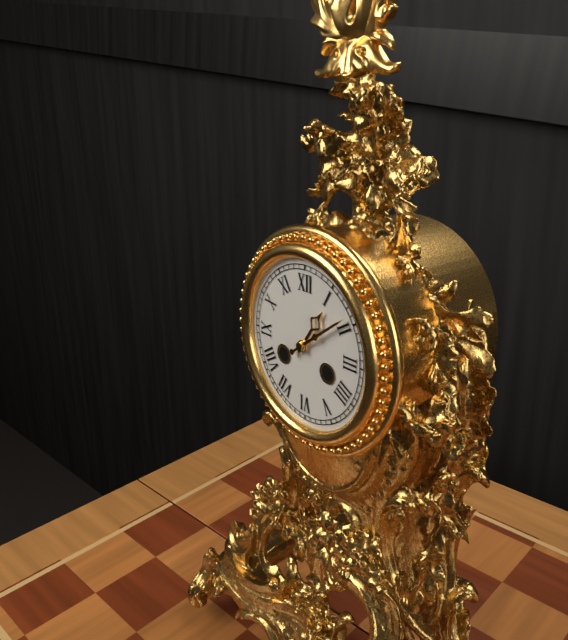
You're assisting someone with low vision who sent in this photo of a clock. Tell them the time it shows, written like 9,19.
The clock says 1,09
